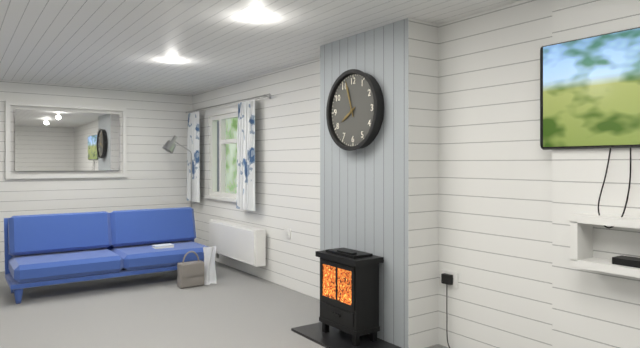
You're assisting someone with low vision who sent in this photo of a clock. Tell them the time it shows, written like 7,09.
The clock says 7,57
